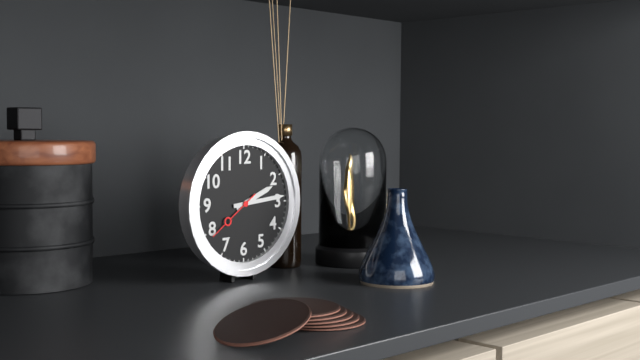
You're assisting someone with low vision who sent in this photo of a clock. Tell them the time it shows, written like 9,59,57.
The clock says 2,14,39
